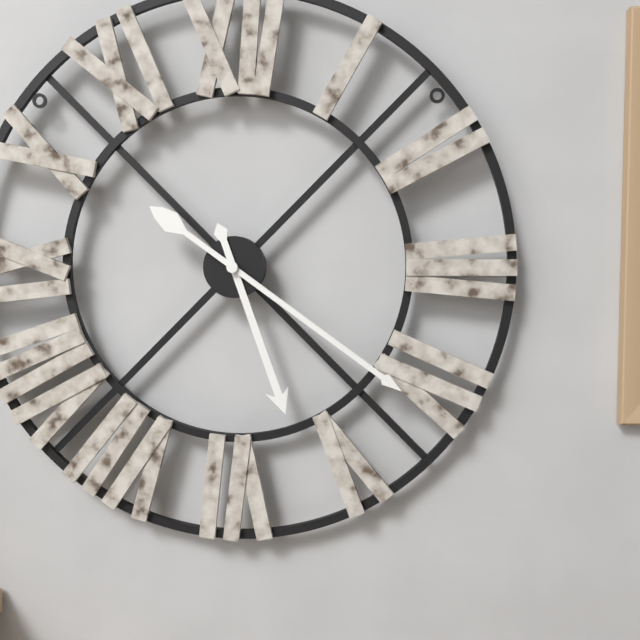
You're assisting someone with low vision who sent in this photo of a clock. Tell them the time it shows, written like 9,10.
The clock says 5,21
